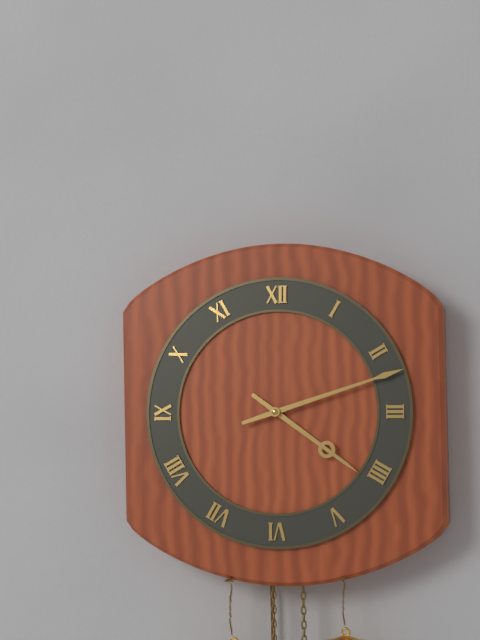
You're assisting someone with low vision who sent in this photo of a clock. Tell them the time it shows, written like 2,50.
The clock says 4,12
